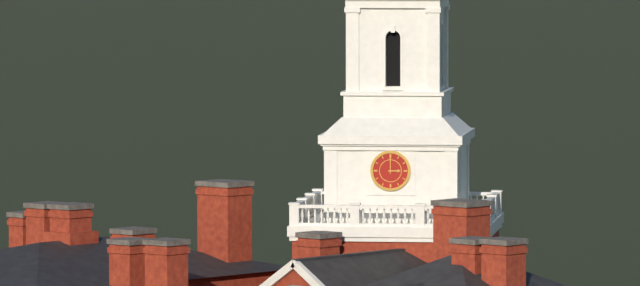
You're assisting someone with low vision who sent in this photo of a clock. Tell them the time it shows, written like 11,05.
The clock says 3,00
